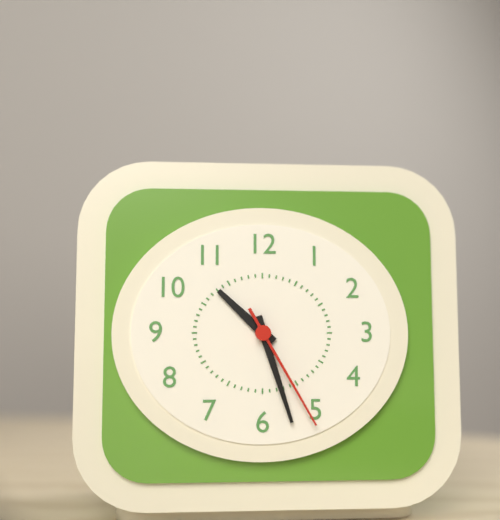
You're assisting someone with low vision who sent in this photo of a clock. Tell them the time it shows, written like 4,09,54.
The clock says 10,27,25
